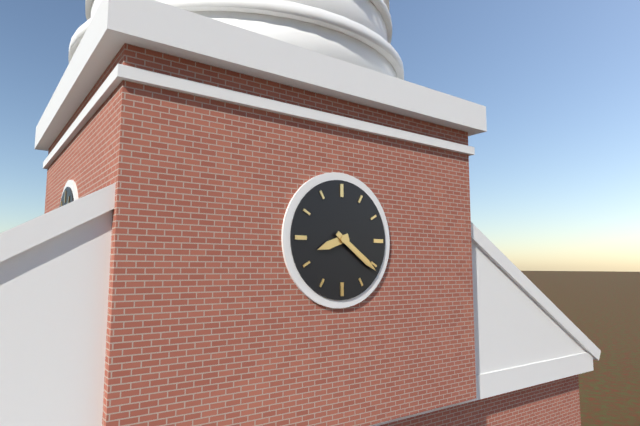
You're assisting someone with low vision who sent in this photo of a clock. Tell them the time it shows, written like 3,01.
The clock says 8,21
